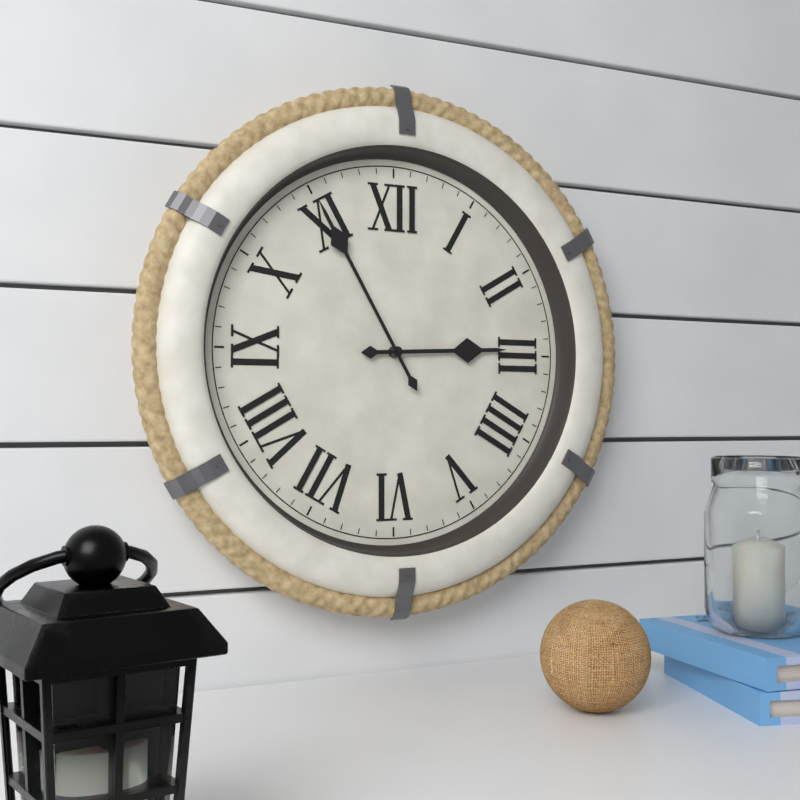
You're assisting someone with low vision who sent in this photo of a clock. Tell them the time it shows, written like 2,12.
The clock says 2,55
